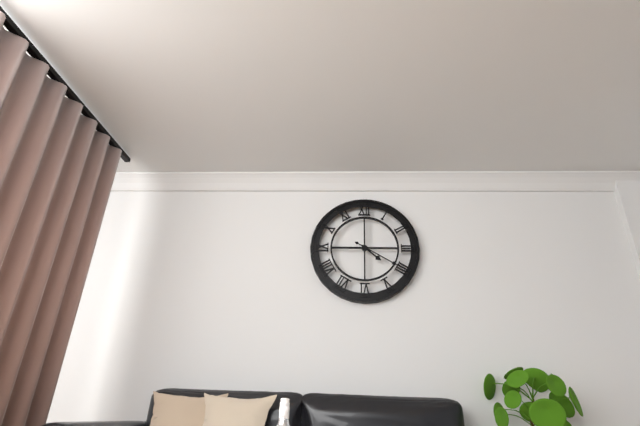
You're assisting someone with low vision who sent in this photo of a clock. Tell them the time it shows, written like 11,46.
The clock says 4,20
